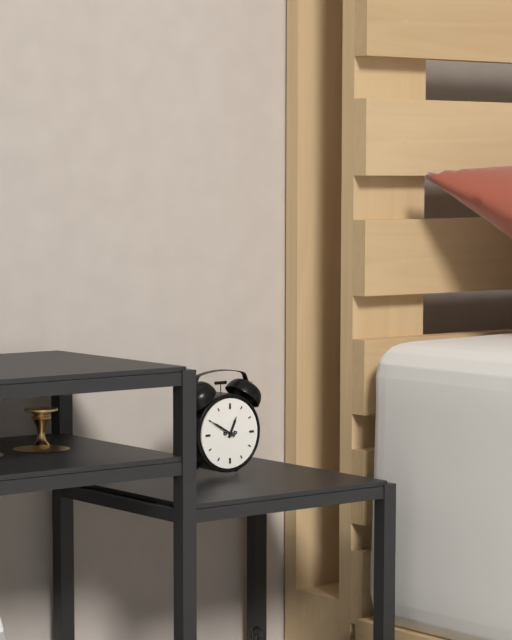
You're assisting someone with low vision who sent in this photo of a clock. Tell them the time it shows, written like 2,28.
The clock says 12,50
